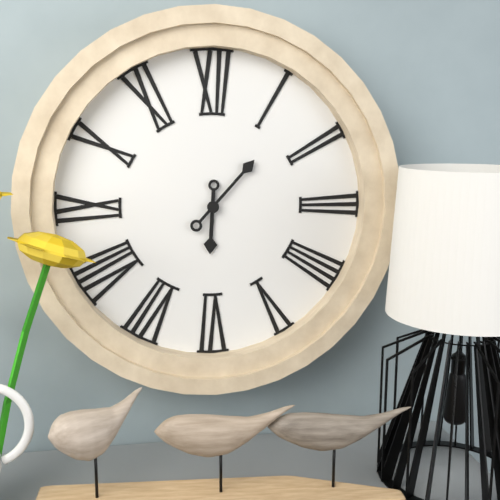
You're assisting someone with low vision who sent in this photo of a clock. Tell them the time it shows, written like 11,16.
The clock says 6,07
